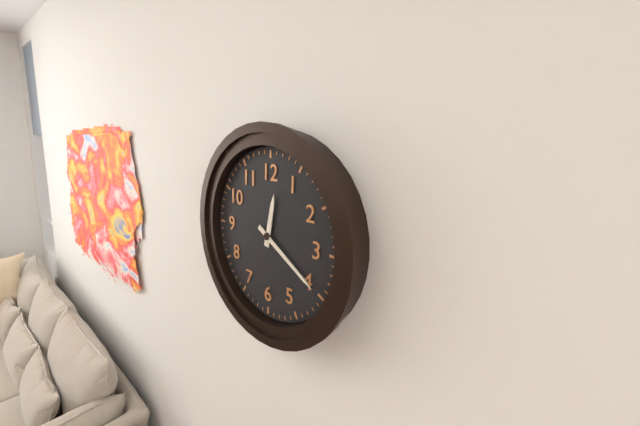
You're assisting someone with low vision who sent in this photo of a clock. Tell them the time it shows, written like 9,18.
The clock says 12,20
